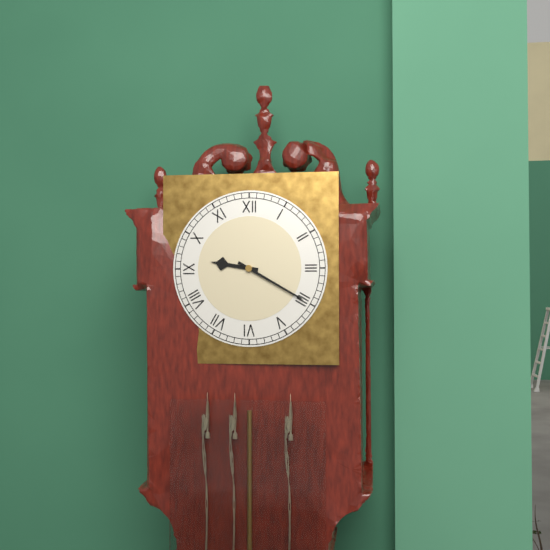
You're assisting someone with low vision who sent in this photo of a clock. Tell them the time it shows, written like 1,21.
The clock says 9,20
